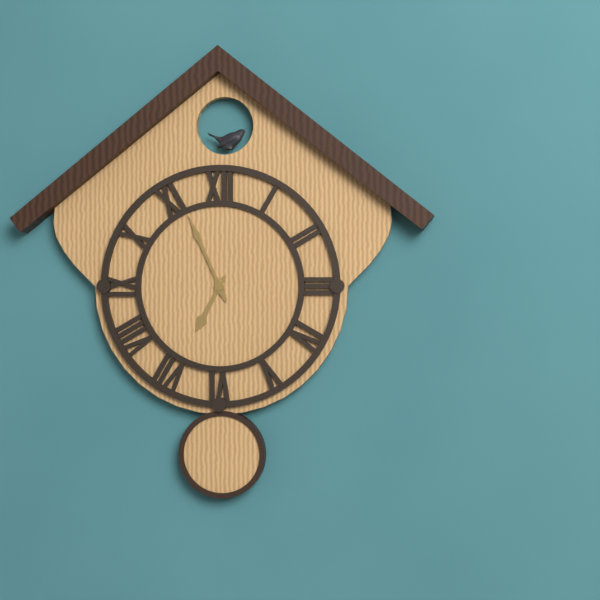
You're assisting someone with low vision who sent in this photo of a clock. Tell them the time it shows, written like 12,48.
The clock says 6,56
